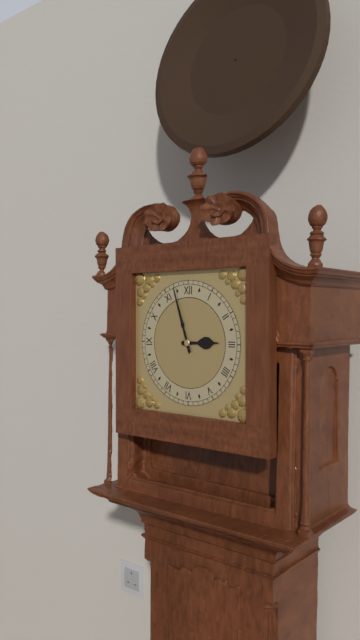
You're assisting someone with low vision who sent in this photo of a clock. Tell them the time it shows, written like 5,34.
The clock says 2,57
